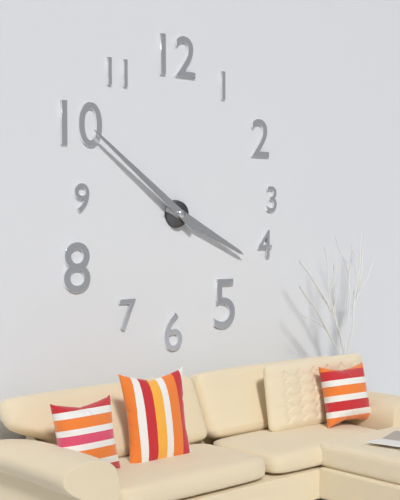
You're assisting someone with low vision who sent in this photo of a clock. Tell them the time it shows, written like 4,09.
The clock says 3,51
